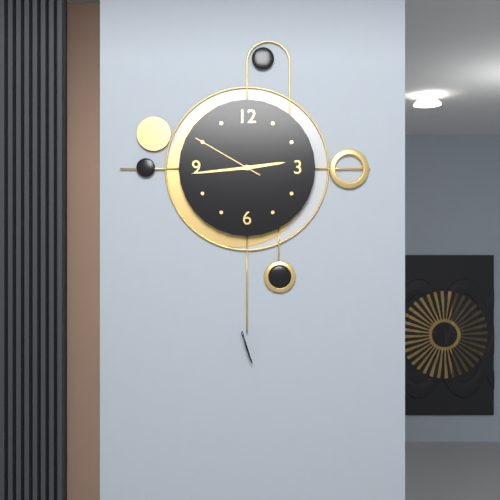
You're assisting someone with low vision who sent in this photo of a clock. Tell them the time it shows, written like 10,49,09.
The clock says 2,44,50
